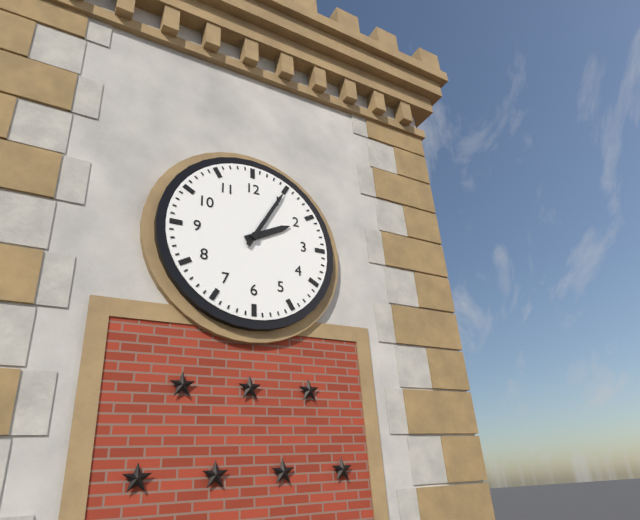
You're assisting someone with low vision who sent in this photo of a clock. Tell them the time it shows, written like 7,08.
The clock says 2,05
